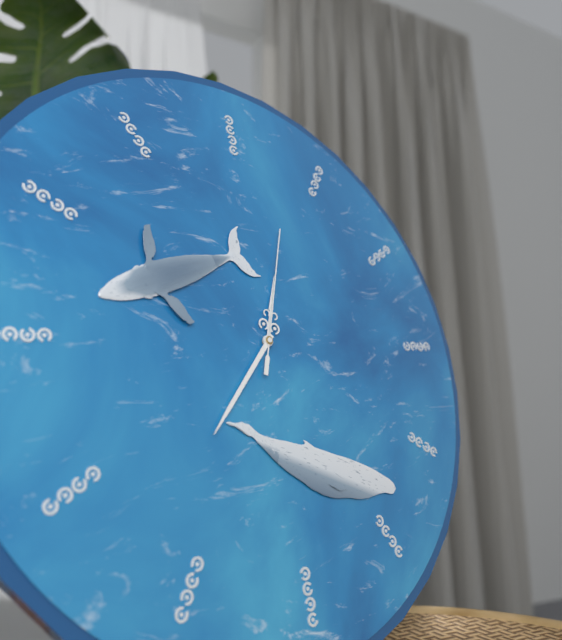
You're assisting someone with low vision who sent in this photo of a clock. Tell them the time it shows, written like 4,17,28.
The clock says 12,37,03
